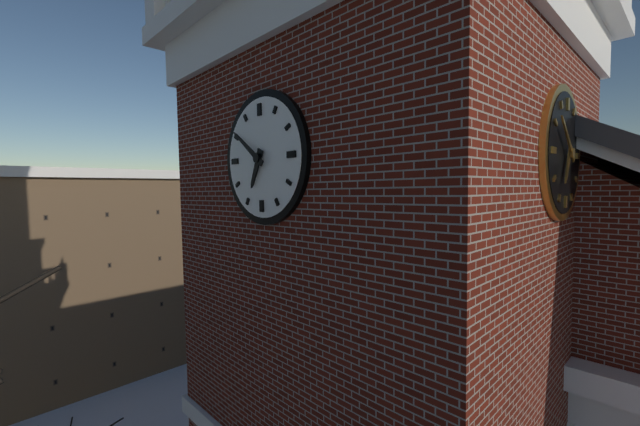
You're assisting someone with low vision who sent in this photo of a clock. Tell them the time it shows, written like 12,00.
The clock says 6,51
